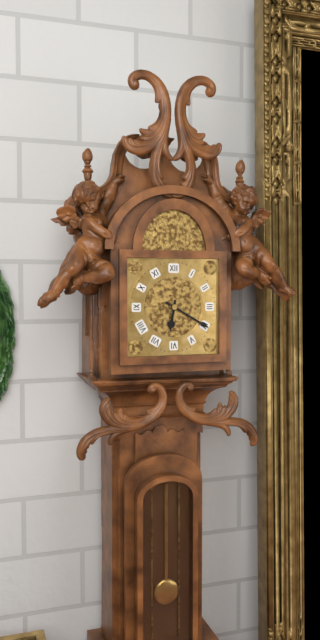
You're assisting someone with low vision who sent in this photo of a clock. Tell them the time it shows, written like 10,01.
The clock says 6,20
